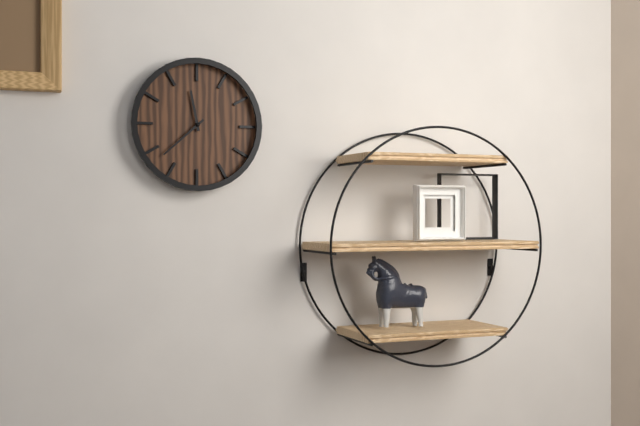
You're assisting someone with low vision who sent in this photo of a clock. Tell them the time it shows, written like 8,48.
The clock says 11,38
